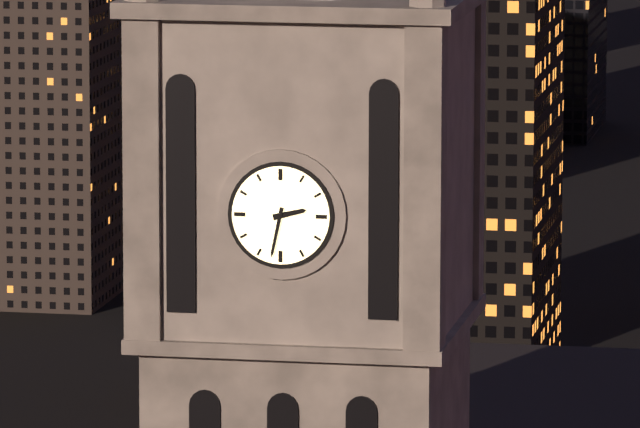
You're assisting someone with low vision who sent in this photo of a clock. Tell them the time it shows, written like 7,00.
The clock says 2,32
